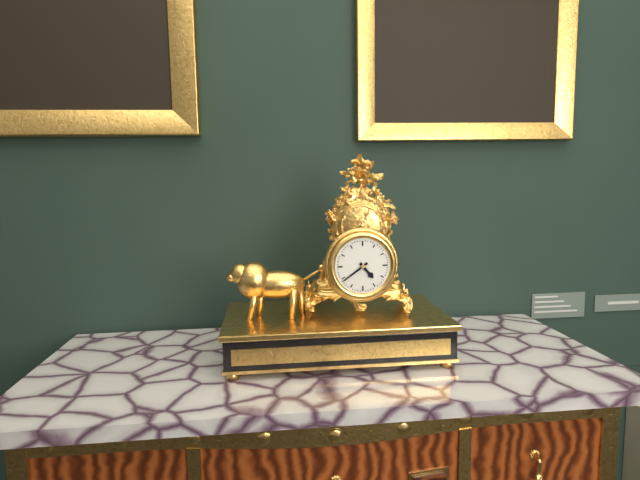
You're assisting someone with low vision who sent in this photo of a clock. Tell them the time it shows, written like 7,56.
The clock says 4,39
